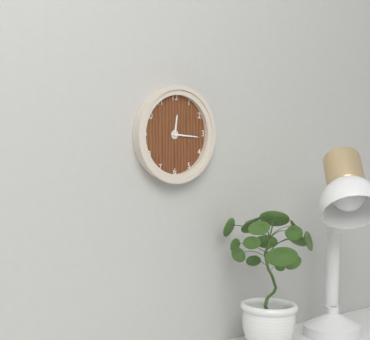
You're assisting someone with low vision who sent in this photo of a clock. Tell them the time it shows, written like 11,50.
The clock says 12,16
